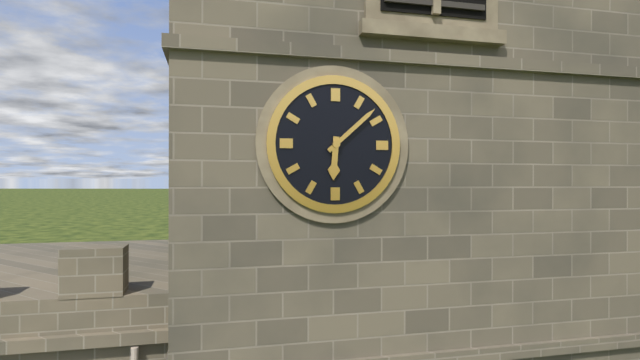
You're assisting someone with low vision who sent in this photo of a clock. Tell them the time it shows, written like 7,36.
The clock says 6,08
